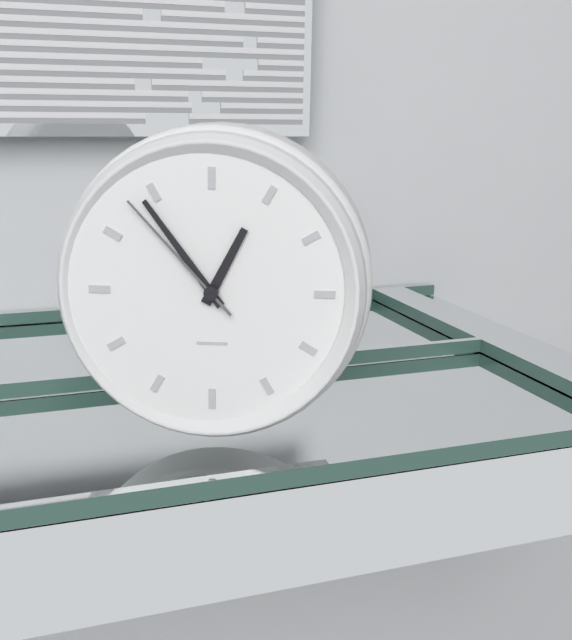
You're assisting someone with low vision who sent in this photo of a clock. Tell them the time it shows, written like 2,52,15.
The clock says 12,54,53
